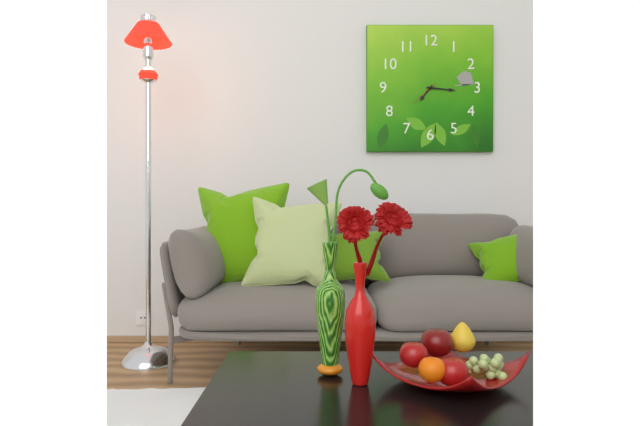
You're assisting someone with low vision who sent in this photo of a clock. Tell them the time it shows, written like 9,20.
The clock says 7,16
